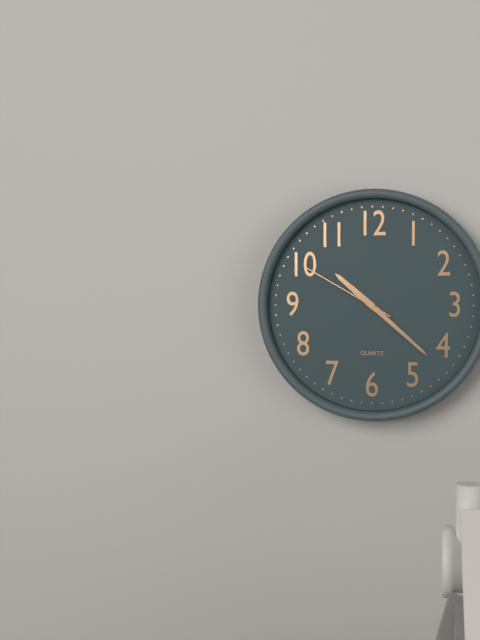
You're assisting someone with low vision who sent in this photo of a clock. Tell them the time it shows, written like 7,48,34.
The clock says 10,22,50
